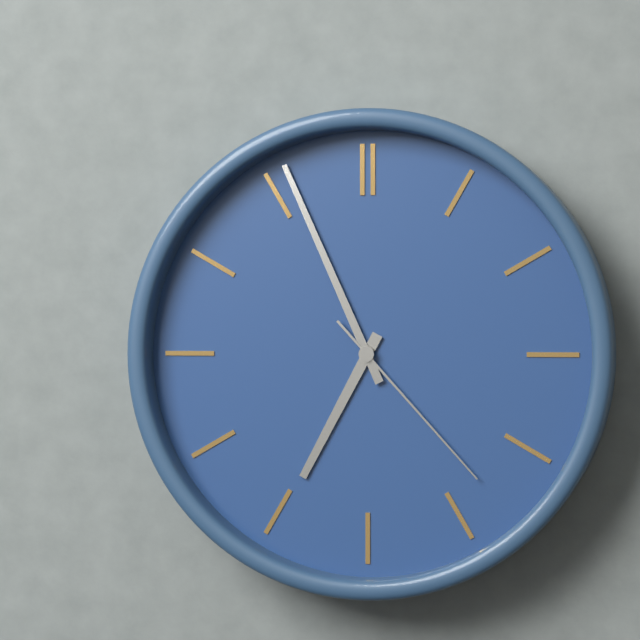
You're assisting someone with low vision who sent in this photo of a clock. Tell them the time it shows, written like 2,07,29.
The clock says 6,56,23
